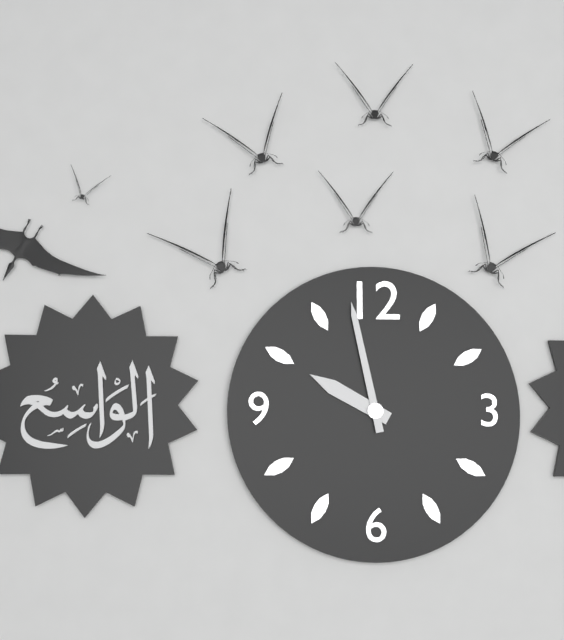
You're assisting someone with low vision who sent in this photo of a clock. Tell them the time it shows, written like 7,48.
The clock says 9,58
